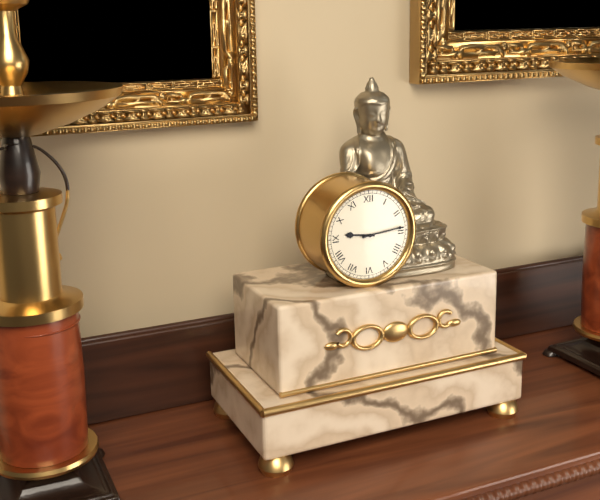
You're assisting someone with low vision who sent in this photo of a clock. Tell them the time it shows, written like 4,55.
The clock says 9,14
